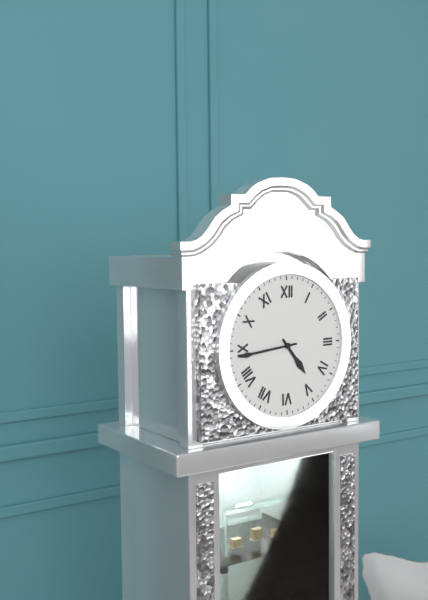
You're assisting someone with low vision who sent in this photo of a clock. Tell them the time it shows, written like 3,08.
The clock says 4,44
